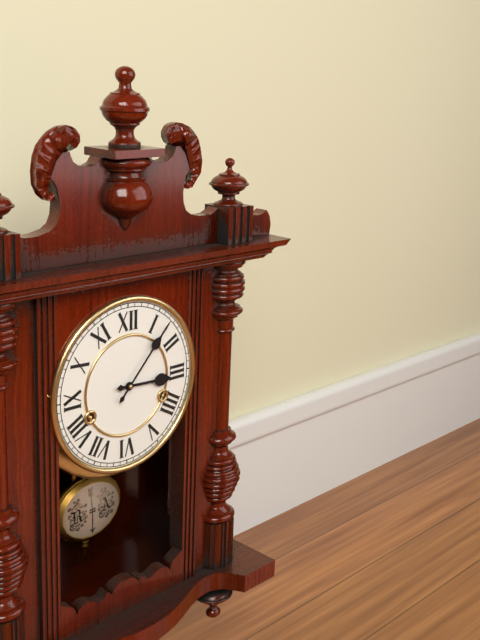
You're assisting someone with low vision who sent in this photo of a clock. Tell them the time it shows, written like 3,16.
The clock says 3,07
